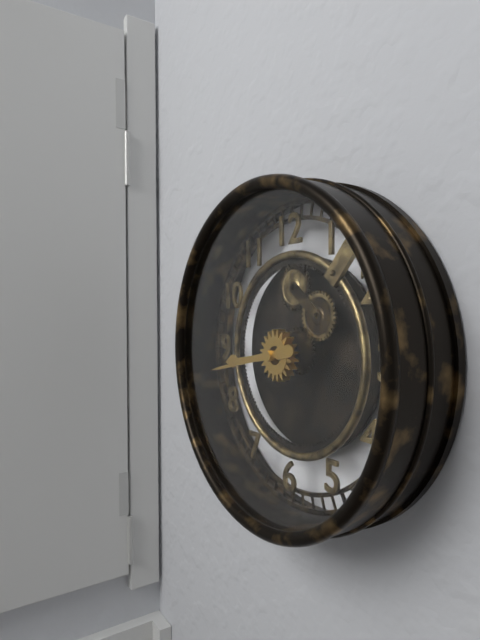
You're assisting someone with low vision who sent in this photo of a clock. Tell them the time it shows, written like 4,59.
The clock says 8,43
